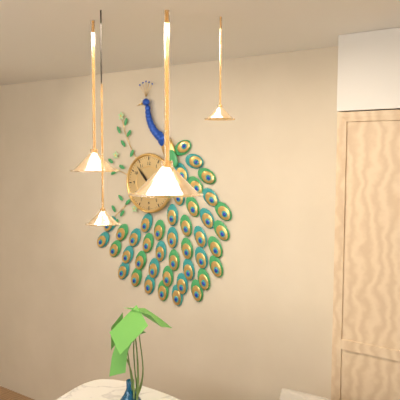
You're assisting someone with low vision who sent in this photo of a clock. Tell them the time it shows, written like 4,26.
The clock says 7,53
